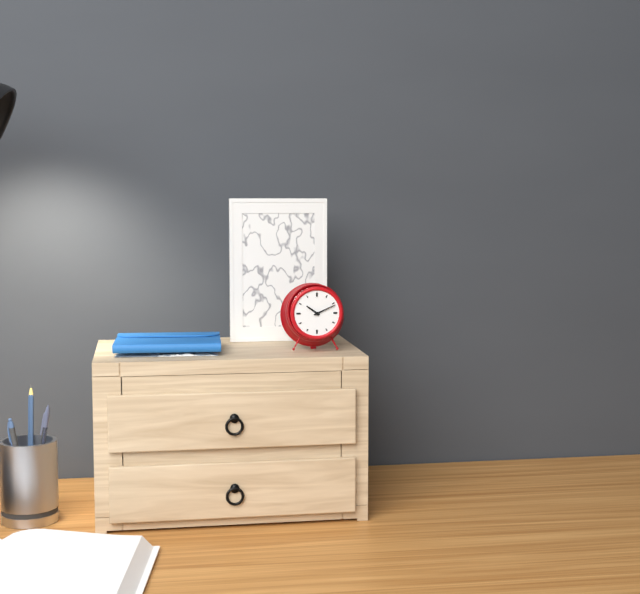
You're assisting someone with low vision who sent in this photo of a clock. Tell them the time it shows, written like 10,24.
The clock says 10,11
